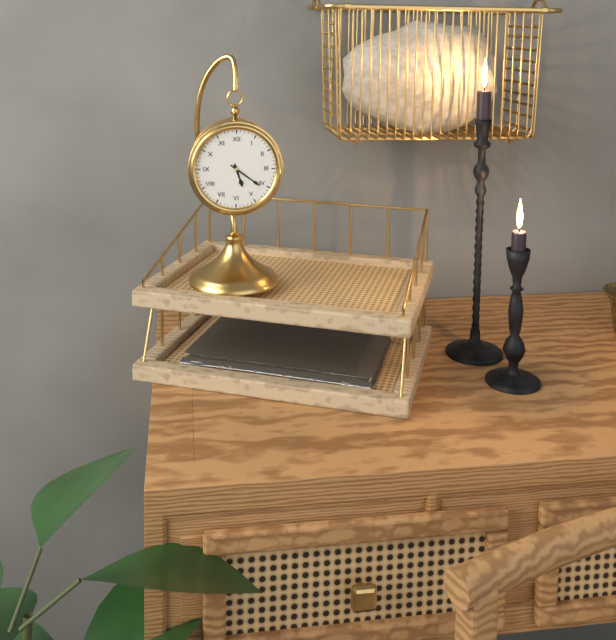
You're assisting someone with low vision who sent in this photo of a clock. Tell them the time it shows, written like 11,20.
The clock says 5,21
